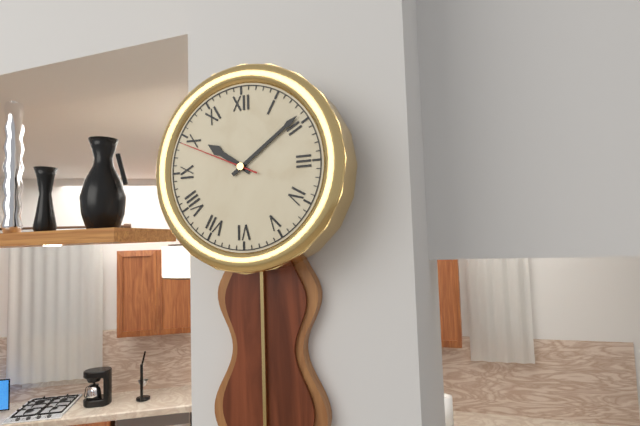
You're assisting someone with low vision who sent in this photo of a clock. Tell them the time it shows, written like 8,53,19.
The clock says 10,09,49
